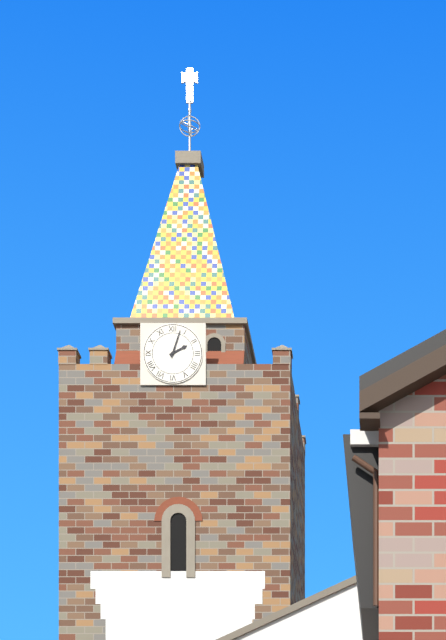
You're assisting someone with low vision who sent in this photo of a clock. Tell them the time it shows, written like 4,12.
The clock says 2,03
